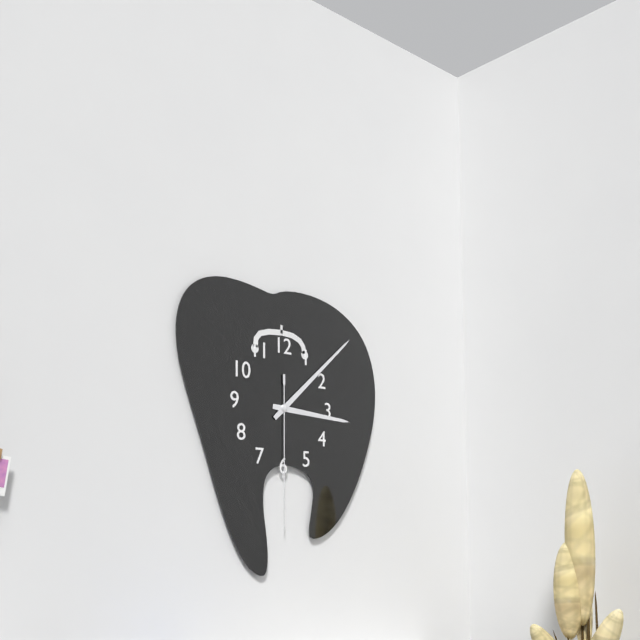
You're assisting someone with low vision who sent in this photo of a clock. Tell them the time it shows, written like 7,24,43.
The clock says 3,08,30
